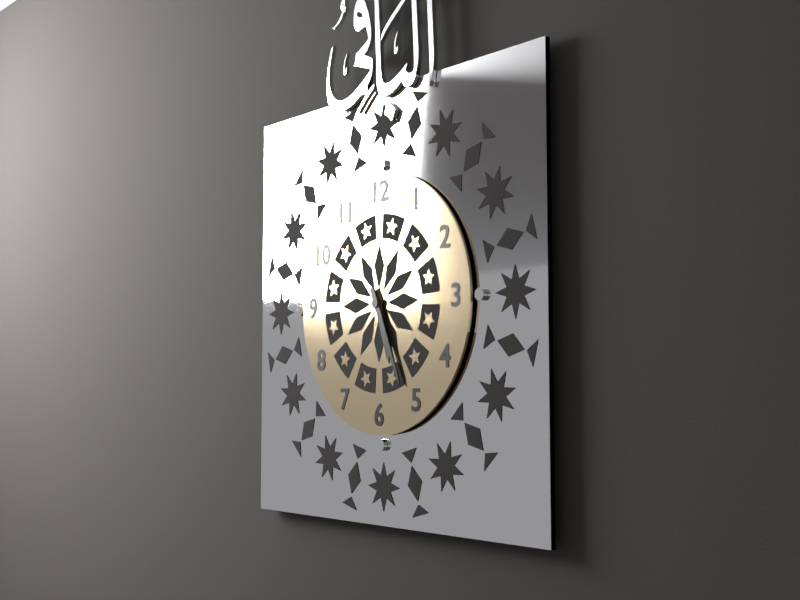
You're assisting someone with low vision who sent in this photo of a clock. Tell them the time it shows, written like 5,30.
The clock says 5,26
